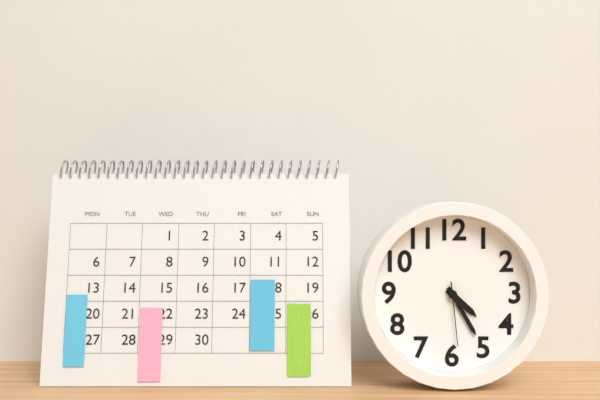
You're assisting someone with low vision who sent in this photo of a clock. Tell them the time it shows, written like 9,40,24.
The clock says 4,25,29
